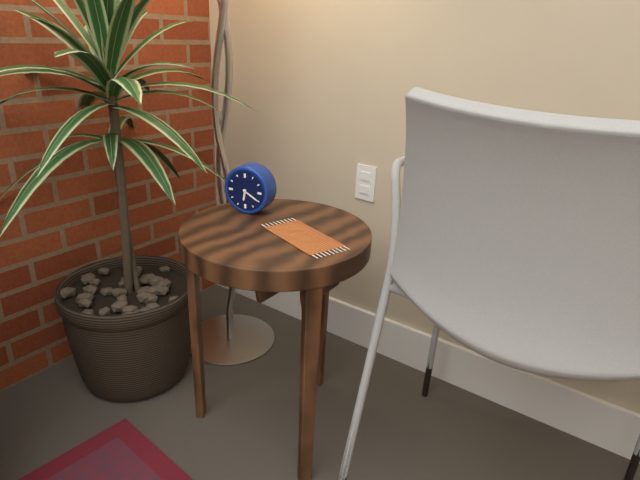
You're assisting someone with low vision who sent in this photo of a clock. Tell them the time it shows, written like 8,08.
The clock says 6,20
